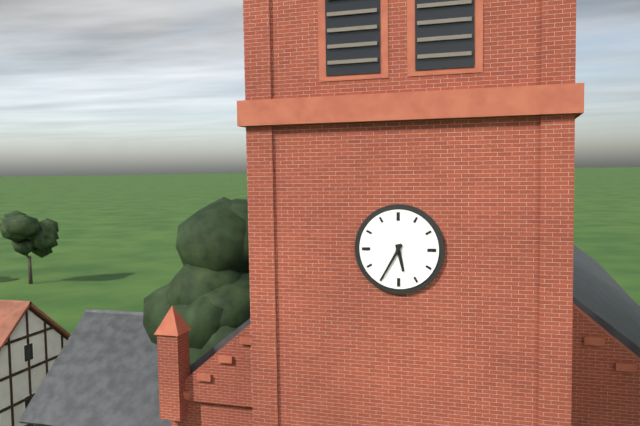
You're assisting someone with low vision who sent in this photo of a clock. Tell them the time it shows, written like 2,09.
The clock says 5,35
